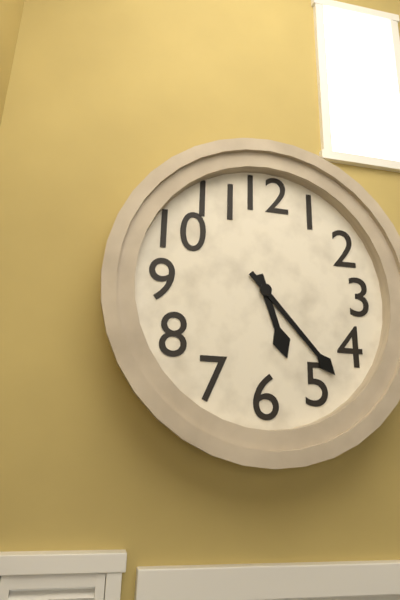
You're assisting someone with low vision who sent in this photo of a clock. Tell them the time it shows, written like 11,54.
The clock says 5,23
